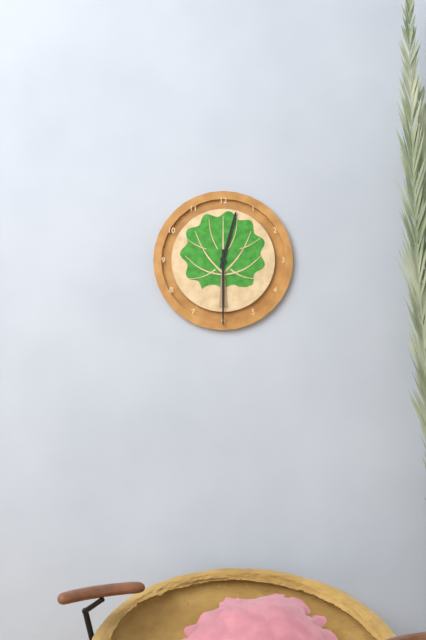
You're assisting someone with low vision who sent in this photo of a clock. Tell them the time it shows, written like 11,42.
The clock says 12,30
